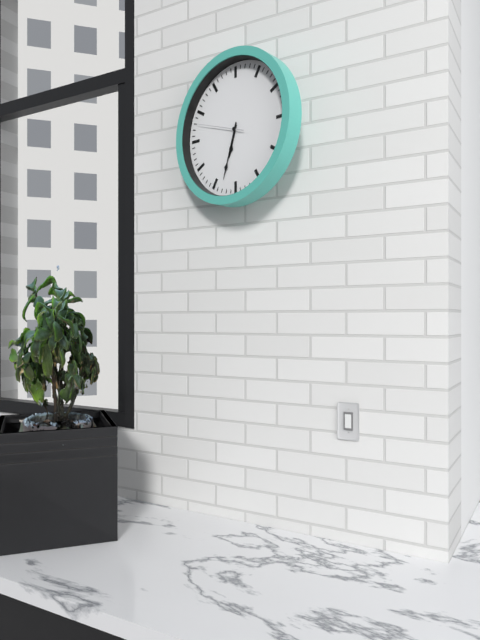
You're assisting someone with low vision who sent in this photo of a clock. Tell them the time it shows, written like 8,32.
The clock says 6,33
